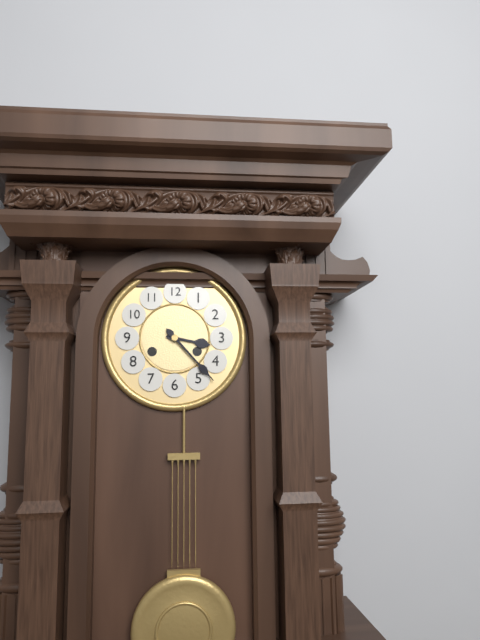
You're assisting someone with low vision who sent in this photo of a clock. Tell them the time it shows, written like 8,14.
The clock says 3,23
